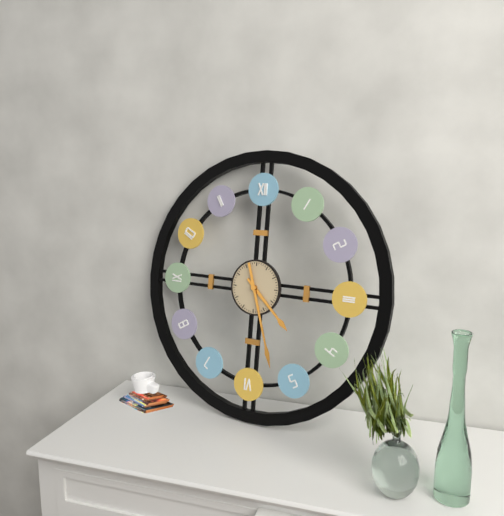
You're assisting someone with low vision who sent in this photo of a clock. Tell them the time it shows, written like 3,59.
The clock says 4,27
